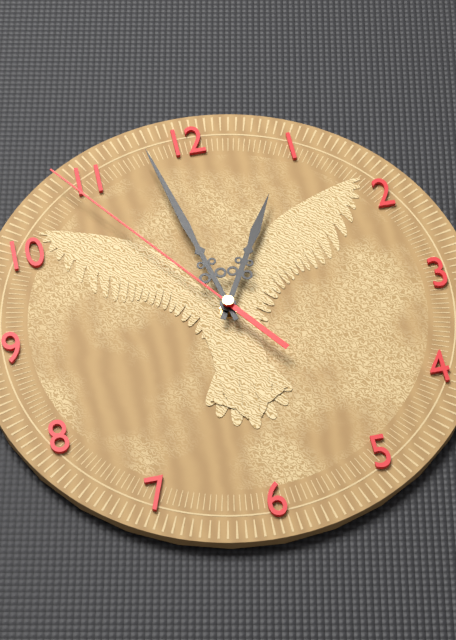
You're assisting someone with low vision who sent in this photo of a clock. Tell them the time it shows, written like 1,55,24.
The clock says 12,58,54
